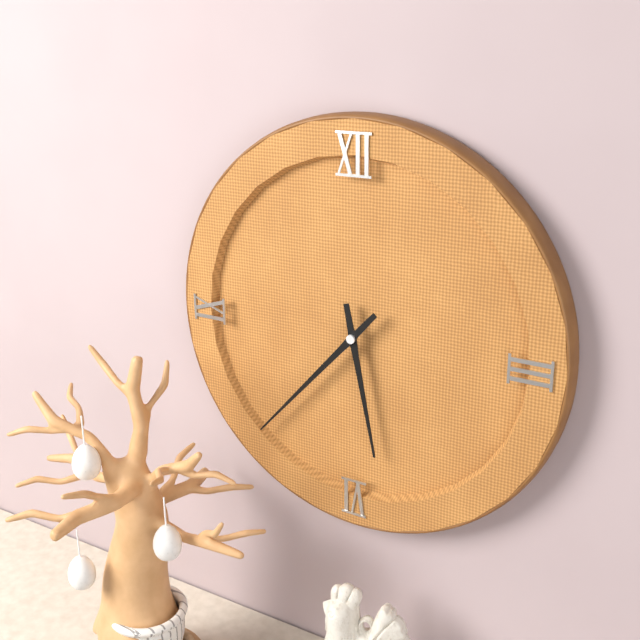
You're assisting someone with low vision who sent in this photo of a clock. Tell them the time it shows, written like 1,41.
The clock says 5,37
